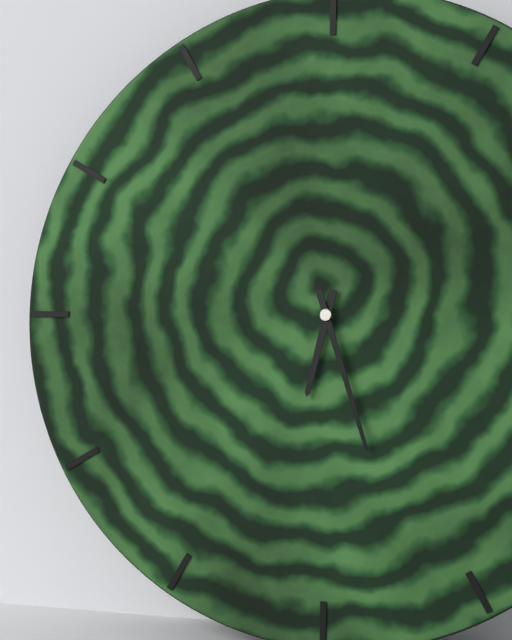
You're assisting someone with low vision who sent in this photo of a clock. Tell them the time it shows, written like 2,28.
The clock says 6,27
